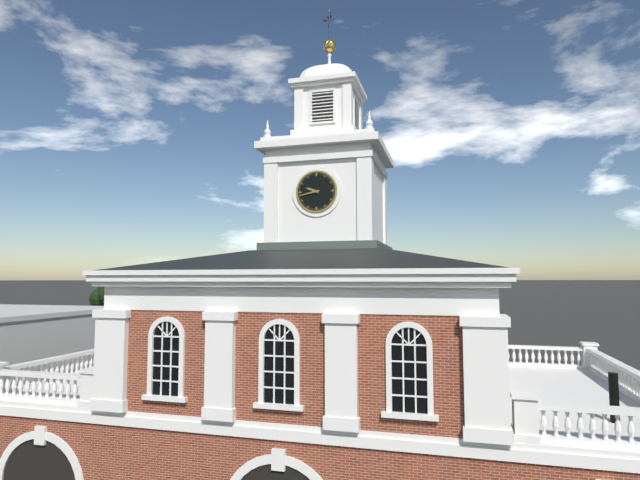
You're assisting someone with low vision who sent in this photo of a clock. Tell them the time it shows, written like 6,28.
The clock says 9,43
